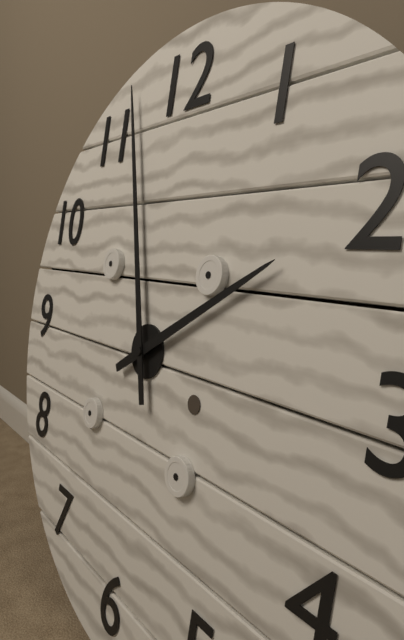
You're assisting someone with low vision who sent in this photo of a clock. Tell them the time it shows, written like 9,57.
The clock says 1,57
